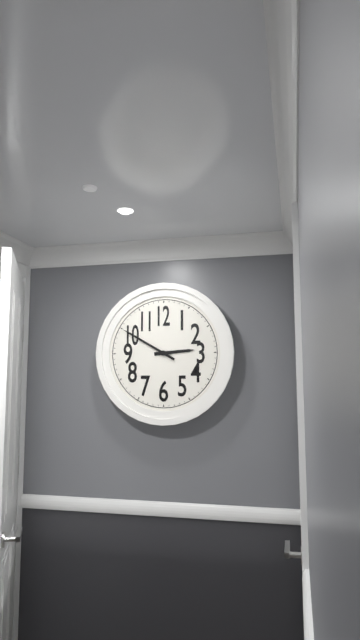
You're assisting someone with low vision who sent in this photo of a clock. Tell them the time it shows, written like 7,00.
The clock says 2,50
